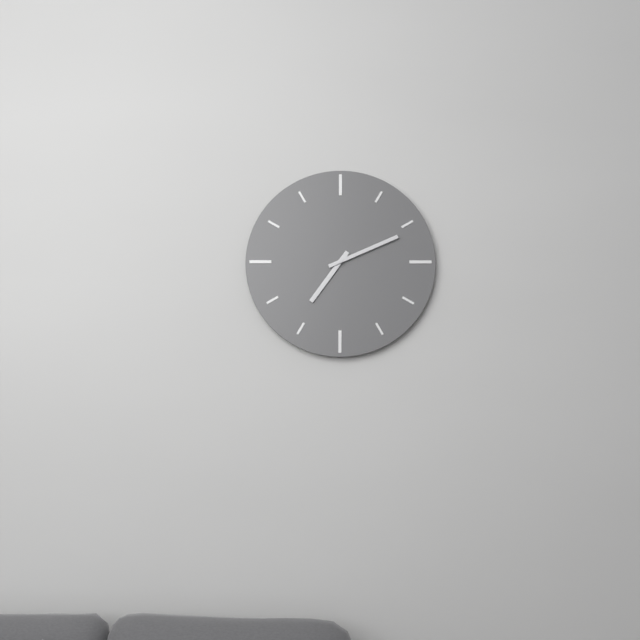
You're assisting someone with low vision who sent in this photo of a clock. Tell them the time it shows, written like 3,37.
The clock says 7,11
